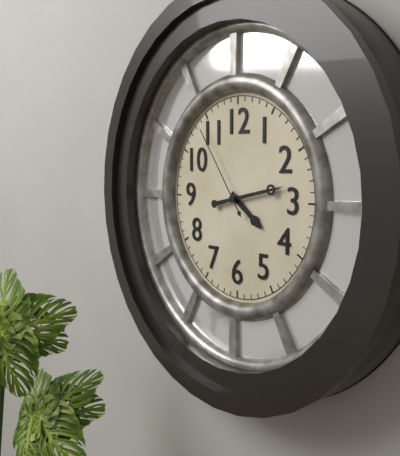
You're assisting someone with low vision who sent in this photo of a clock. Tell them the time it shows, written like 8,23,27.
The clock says 4,13,54
